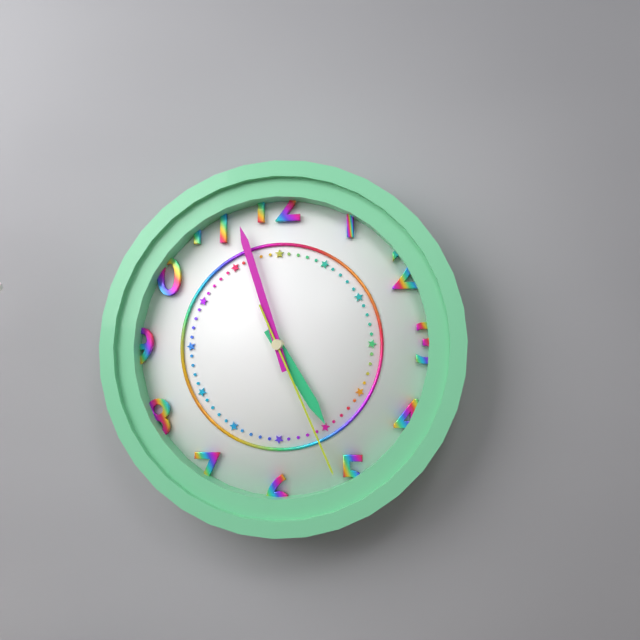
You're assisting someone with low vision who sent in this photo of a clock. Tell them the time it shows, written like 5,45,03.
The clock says 4,57,26
